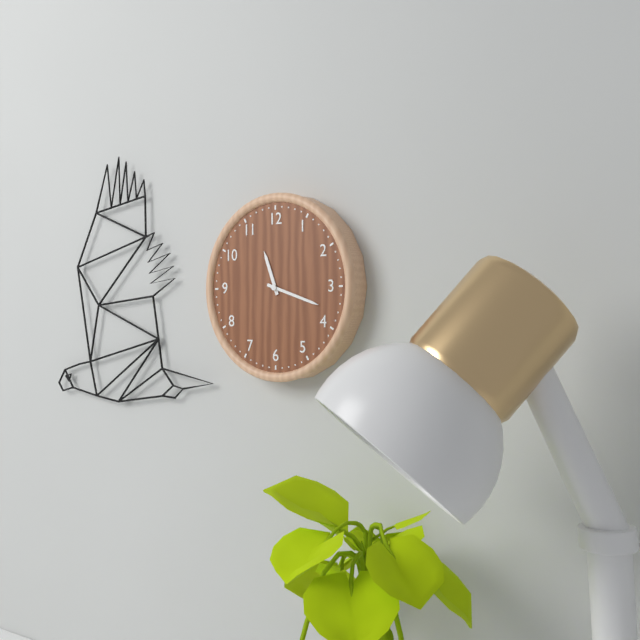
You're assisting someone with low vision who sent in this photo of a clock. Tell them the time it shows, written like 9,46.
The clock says 11,18
